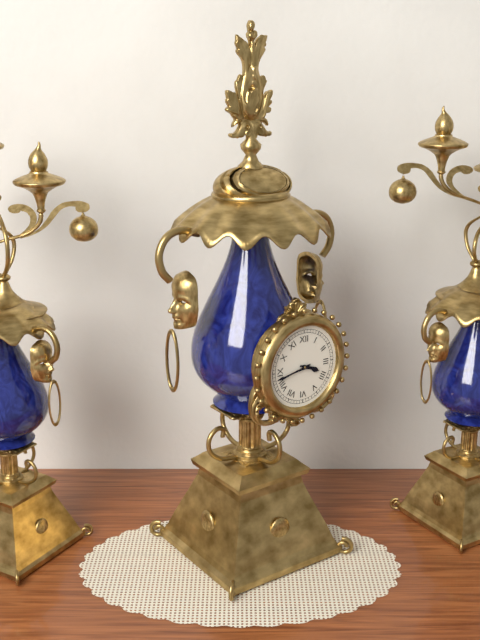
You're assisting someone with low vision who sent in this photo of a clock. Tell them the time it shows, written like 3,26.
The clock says 3,43
